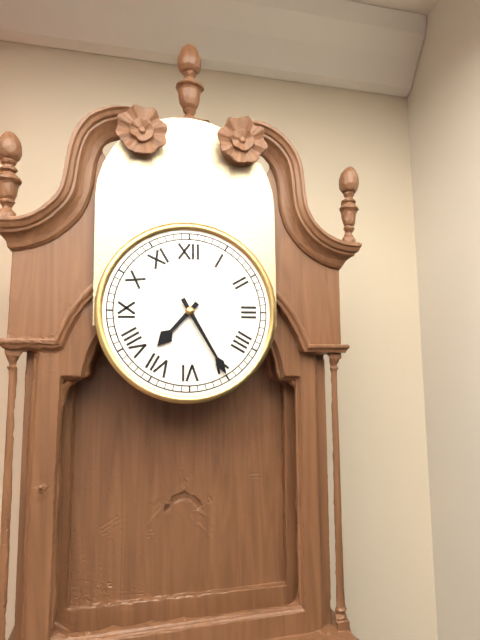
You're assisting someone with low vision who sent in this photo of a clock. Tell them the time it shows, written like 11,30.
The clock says 7,25
